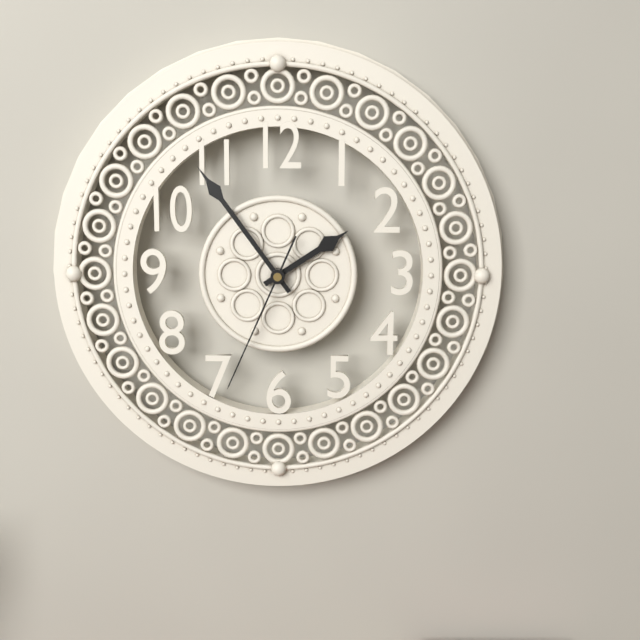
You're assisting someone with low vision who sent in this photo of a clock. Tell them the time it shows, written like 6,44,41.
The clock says 1,54,34
